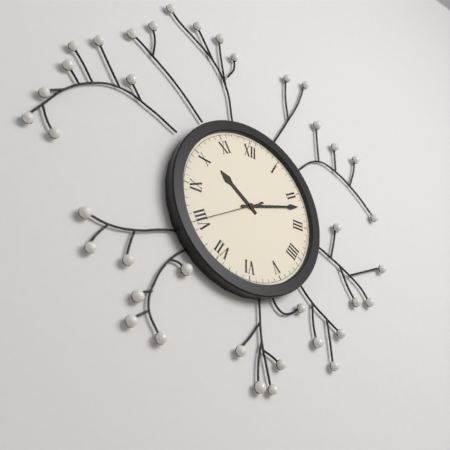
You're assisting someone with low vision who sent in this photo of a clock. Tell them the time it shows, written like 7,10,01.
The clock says 10,12,40
